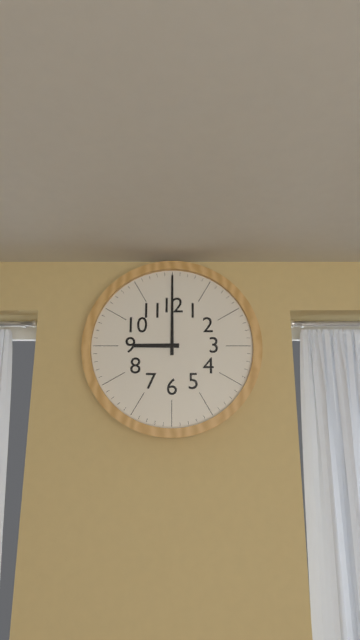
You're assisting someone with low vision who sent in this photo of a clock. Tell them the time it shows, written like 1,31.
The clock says 9,00
